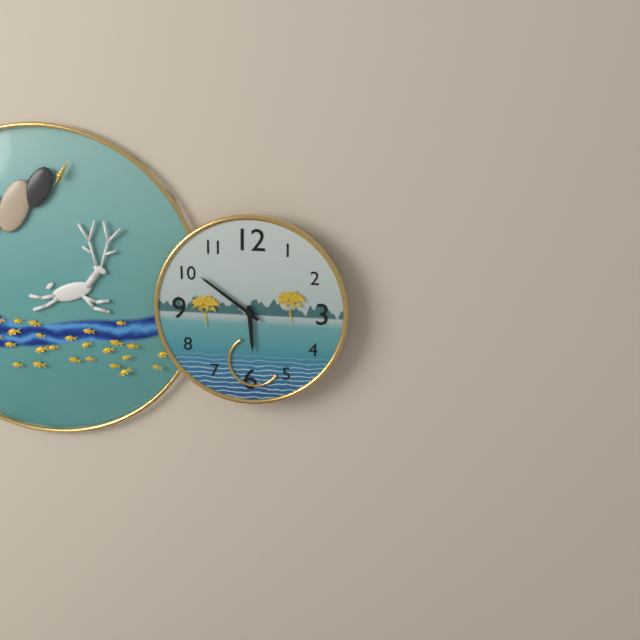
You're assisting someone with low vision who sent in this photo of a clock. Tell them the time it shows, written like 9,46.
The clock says 5,51
